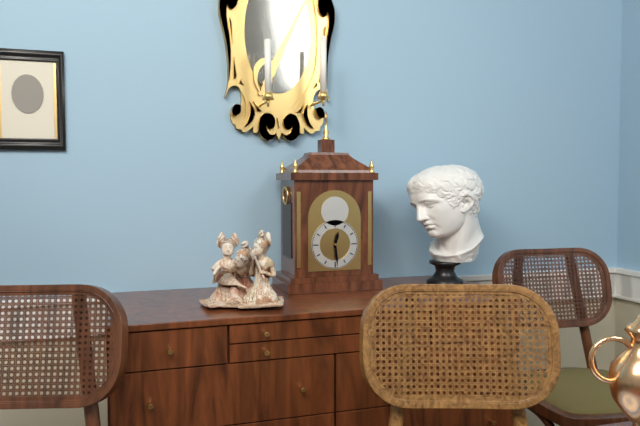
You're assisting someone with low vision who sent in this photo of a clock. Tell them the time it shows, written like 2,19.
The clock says 12,29
